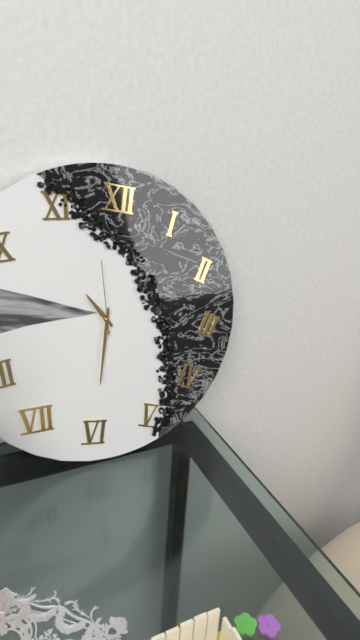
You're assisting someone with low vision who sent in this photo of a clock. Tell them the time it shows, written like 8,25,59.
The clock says 10,30,58
